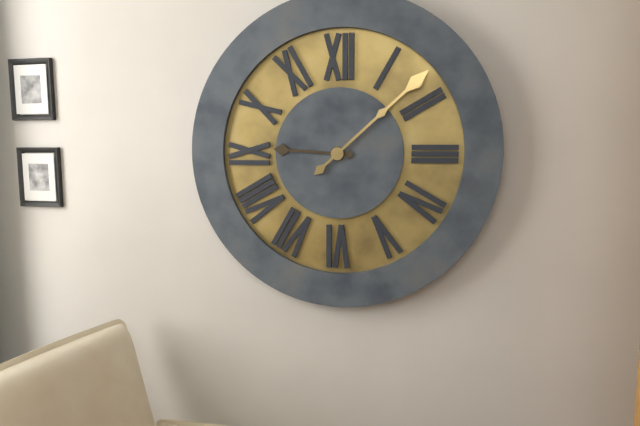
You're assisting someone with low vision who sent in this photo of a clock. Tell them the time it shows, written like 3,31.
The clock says 9,08
